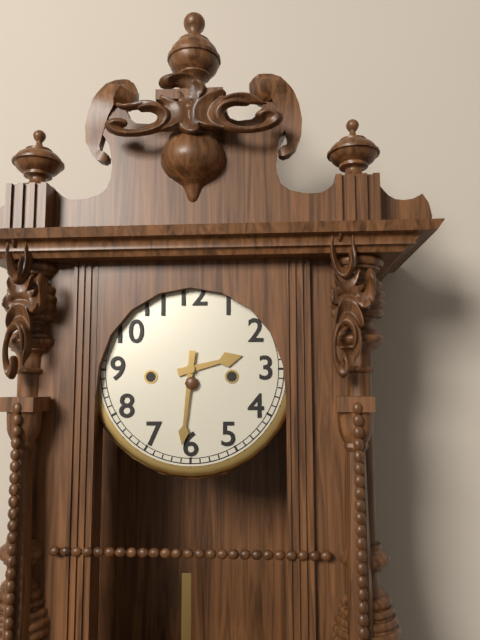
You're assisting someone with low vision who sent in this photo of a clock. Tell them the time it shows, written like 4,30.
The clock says 2,31
